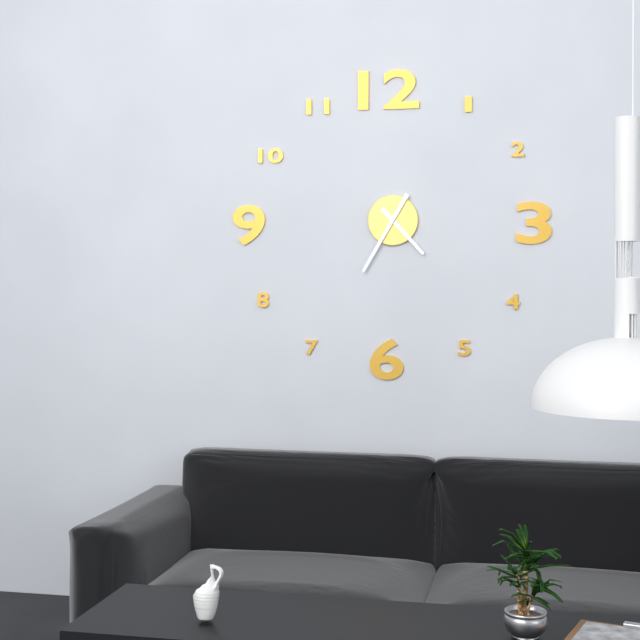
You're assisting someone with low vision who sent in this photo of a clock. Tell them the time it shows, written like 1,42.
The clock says 4,35
